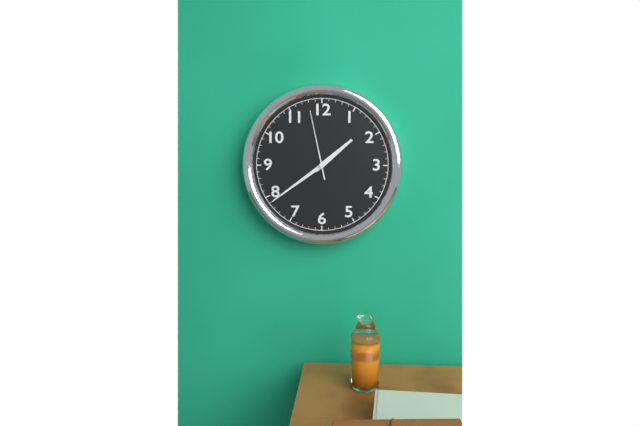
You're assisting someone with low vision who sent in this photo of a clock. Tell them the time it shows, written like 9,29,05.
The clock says 1,39,58
